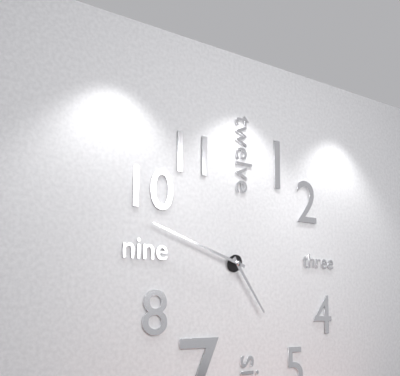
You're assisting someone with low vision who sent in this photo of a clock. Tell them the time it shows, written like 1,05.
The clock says 4,48
